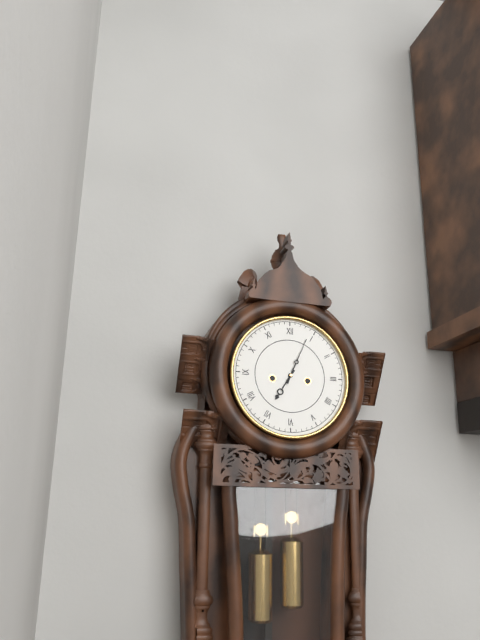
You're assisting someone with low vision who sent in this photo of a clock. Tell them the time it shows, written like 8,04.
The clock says 7,04
